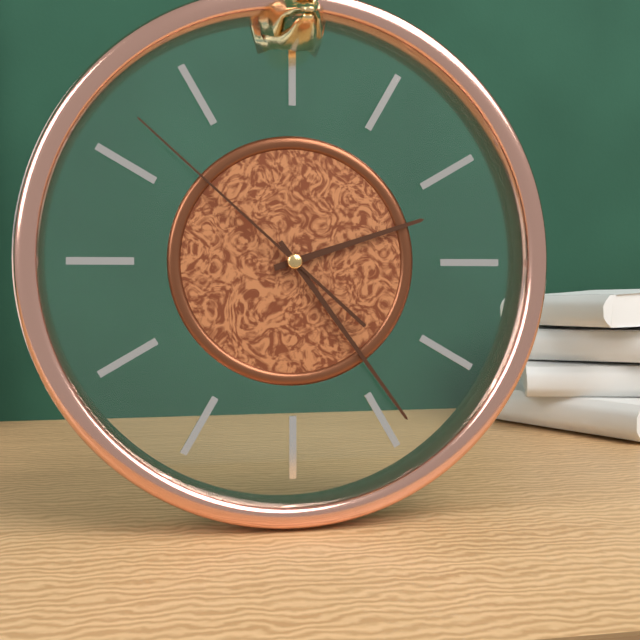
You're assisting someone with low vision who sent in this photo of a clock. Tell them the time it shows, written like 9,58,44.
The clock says 2,24,52
